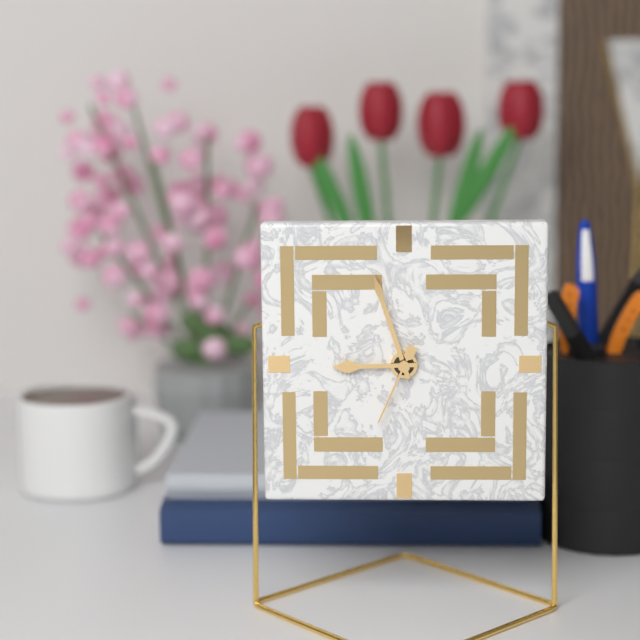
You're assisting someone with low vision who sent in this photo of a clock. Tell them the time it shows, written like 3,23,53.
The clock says 8,57,34
